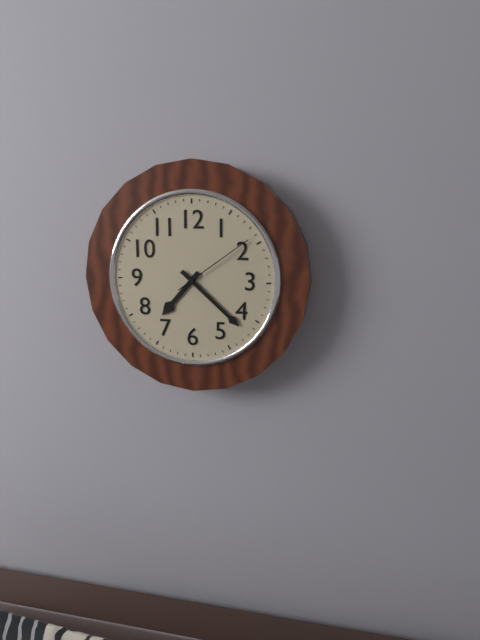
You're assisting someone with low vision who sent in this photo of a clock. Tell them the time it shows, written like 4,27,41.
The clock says 7,22,09
